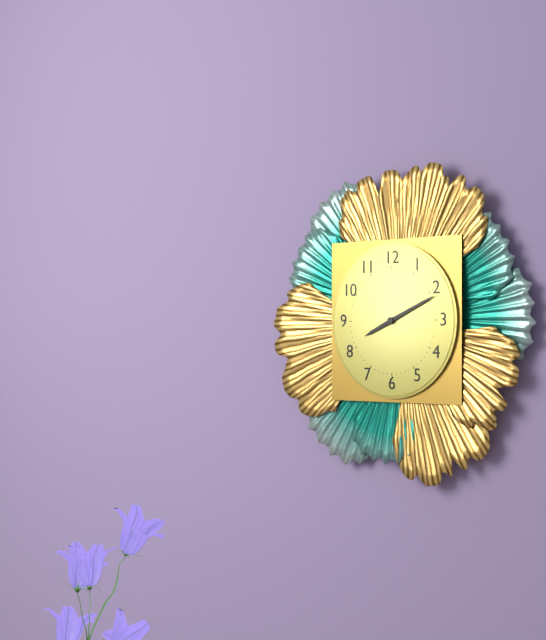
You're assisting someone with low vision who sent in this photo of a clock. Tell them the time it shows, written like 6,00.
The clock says 8,11
